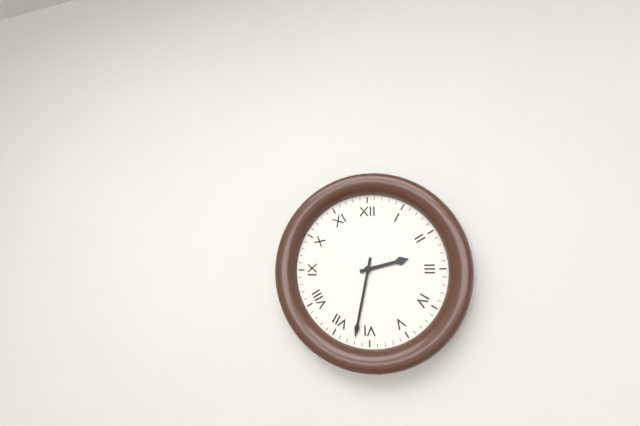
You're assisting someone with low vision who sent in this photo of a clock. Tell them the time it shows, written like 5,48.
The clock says 2,32
